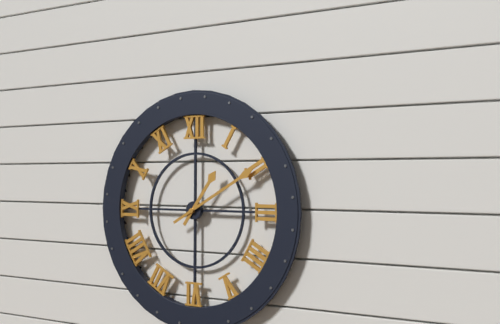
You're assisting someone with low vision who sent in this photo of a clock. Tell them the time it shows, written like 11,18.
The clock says 1,10
